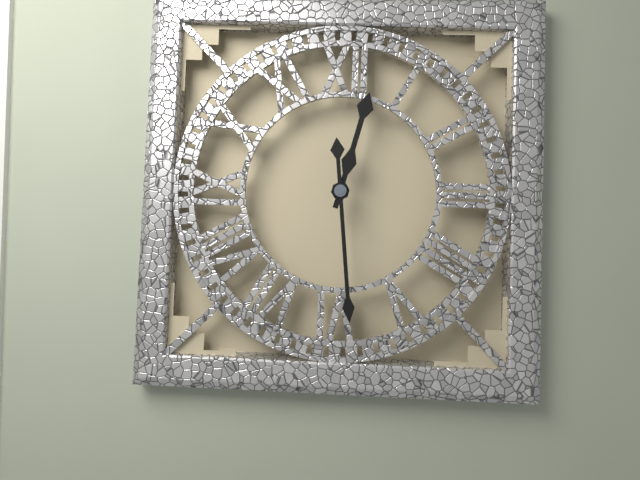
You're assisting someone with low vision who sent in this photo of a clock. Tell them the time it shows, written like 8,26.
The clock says 12,29
